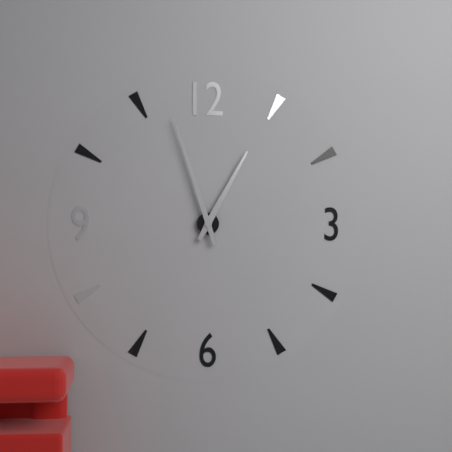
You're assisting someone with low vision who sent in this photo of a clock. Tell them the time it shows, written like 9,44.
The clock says 12,57
